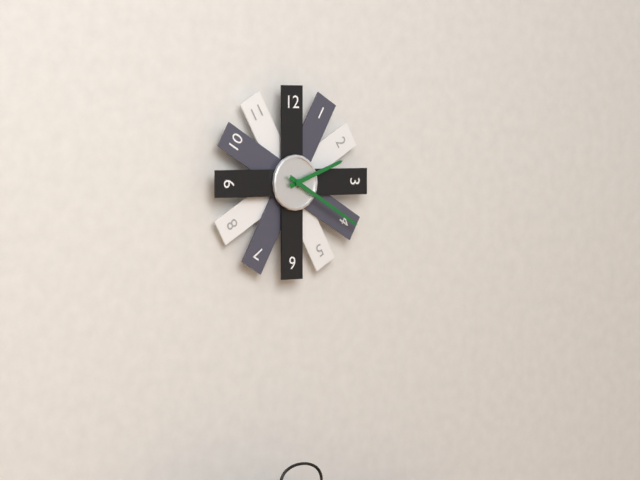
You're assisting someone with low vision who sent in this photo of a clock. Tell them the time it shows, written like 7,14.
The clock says 2,20
